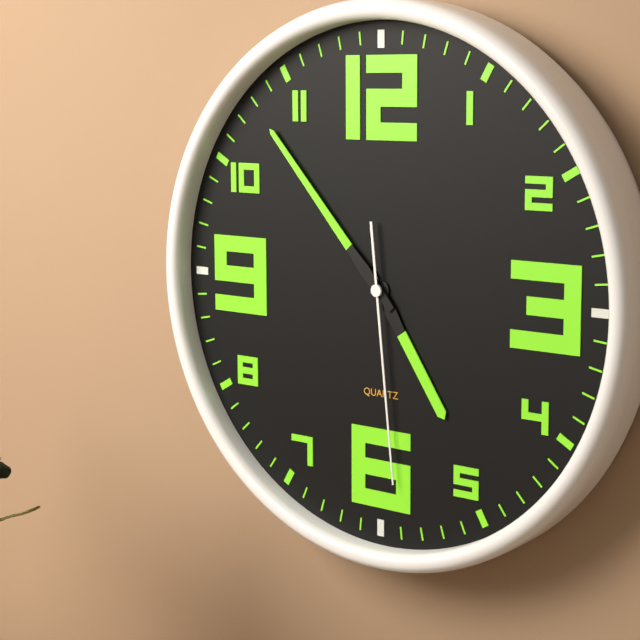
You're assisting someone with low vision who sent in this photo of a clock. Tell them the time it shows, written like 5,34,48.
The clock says 4,53,29
